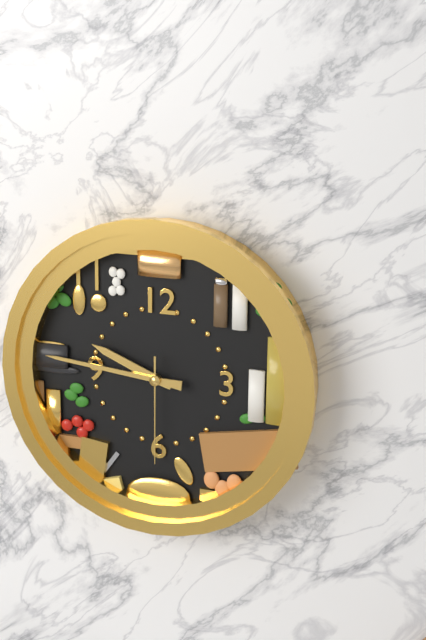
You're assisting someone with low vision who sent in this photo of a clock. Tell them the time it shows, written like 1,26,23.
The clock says 9,46,30
